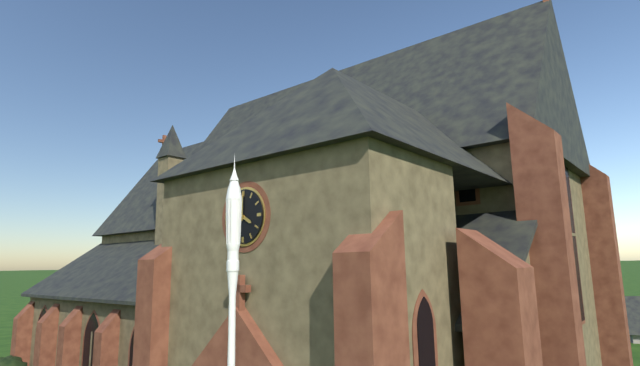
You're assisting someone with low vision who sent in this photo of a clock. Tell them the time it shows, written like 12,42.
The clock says 4,00
